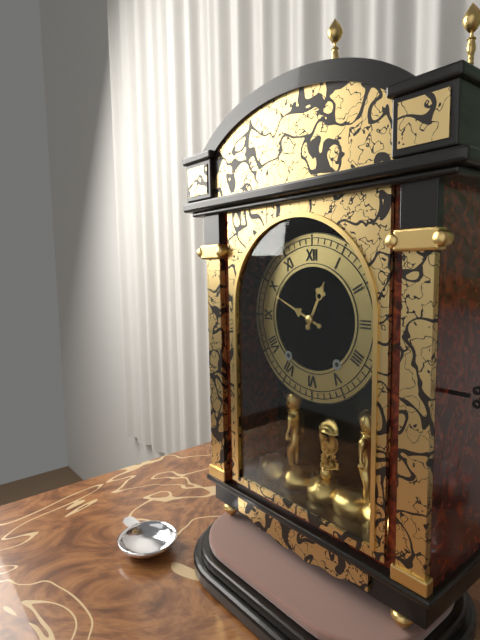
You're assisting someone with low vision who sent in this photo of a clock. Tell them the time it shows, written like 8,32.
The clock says 12,49
